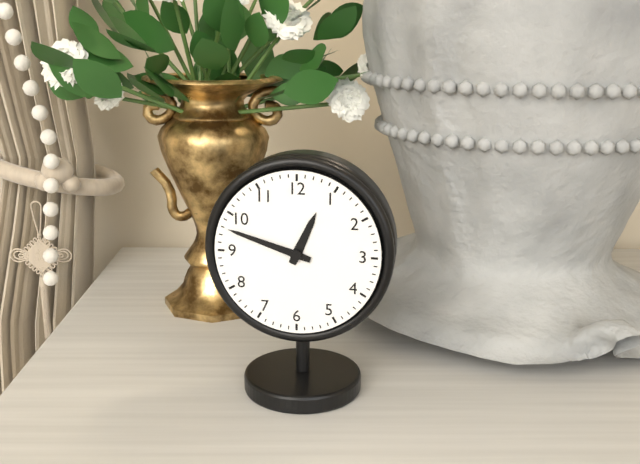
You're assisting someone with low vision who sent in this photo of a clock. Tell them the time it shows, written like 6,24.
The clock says 12,48
